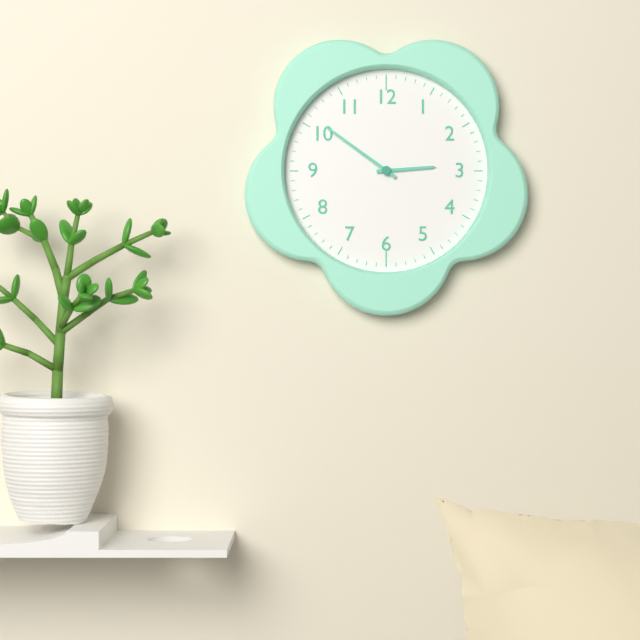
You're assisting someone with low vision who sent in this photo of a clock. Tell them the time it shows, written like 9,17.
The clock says 2,51
